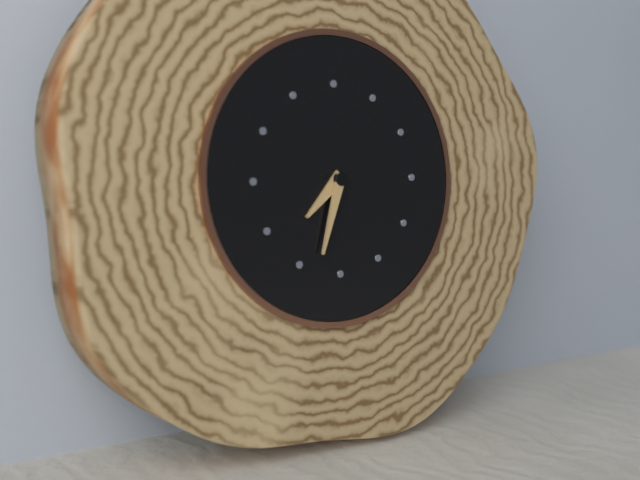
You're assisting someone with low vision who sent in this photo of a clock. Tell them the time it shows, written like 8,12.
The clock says 7,33
